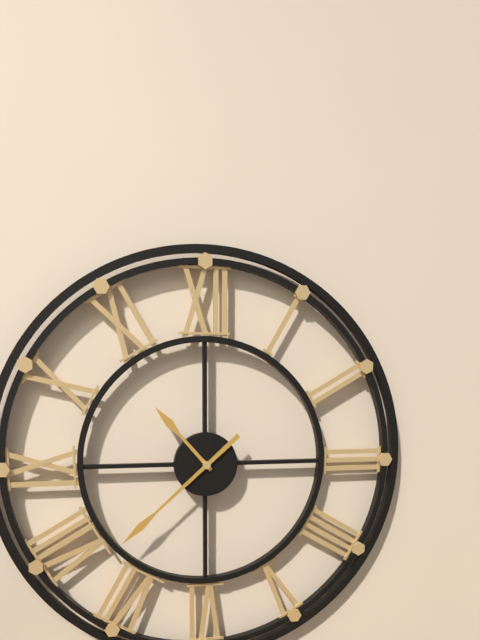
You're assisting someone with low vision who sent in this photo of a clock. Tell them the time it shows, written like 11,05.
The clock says 10,38
